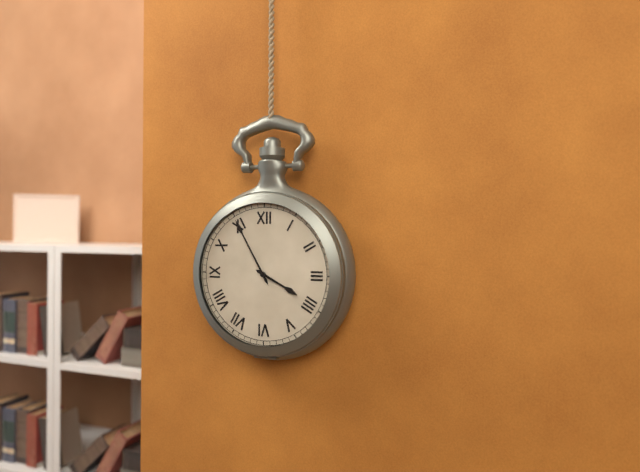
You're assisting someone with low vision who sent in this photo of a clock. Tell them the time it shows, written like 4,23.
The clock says 3,55
